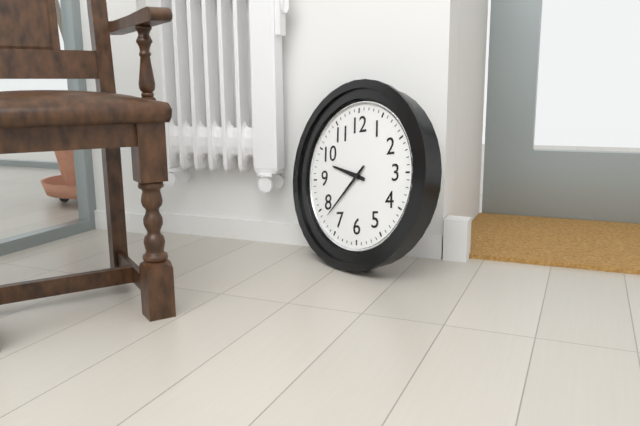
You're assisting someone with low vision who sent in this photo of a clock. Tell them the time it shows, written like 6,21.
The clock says 9,38
